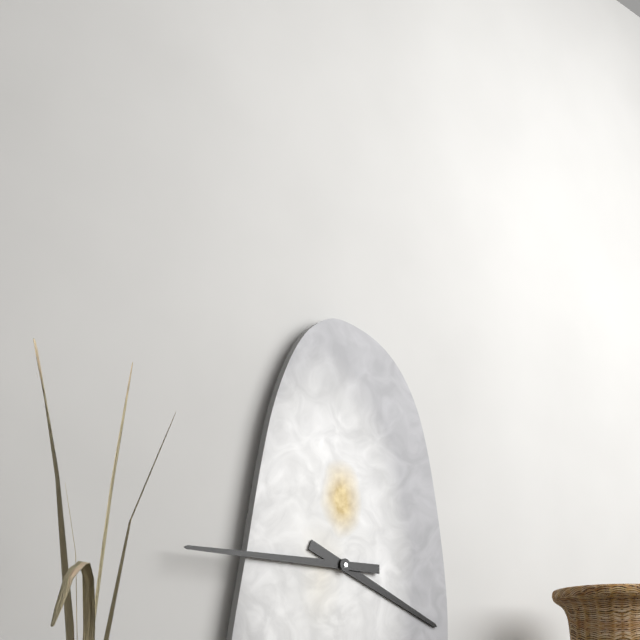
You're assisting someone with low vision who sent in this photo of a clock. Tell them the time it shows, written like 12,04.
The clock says 3,45
